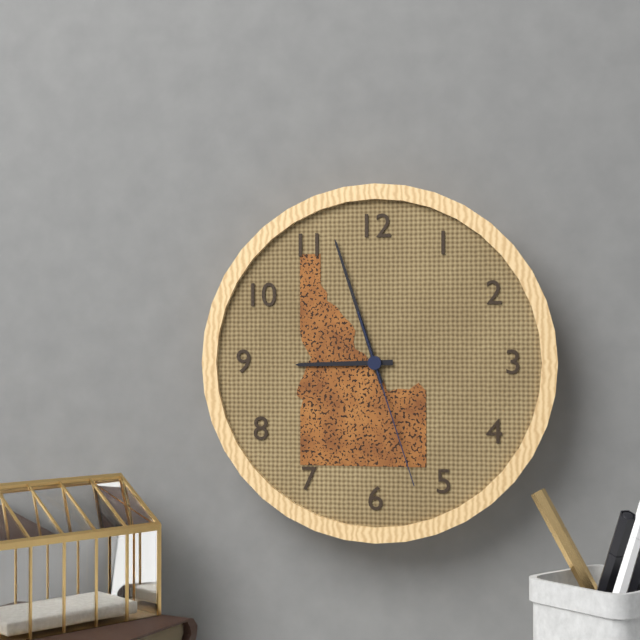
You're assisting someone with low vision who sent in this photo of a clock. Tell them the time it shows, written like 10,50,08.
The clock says 8,57,27
